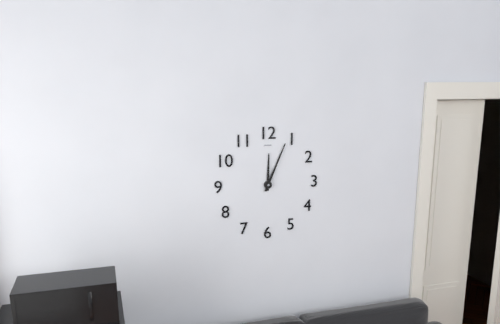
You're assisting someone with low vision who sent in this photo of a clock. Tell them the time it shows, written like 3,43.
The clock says 12,04
